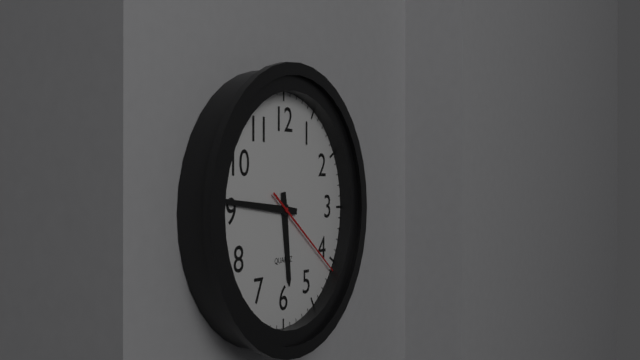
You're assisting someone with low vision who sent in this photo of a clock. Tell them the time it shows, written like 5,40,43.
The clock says 5,46,21
